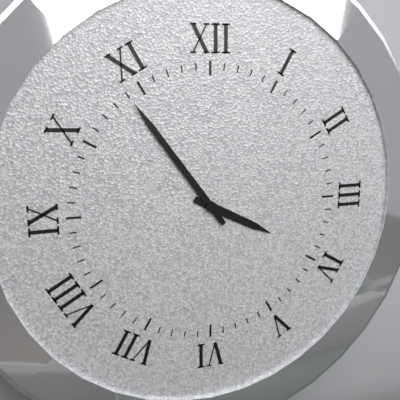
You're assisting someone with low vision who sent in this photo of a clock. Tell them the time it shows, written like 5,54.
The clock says 3,54
